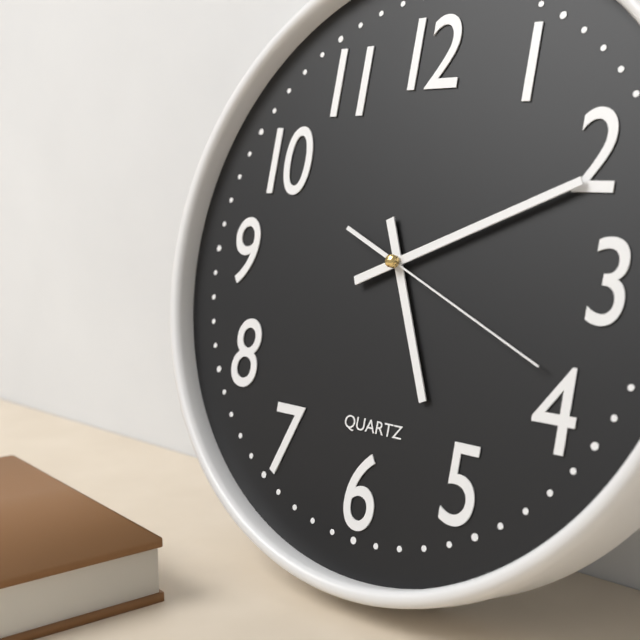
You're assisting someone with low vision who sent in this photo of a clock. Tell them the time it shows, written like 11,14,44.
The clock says 5,11,19
